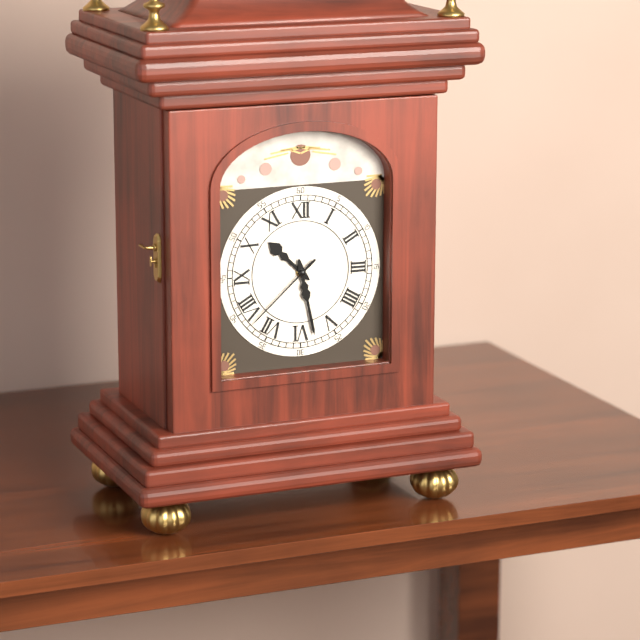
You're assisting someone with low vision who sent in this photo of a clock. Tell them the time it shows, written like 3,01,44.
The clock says 10,28,38
